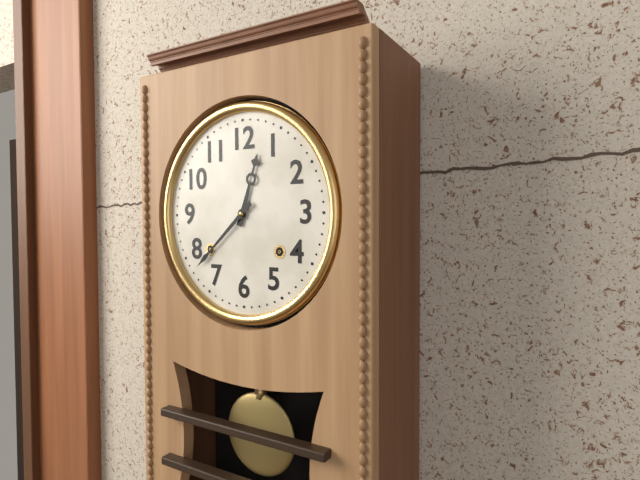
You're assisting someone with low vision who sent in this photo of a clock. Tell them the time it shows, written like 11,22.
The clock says 12,38
